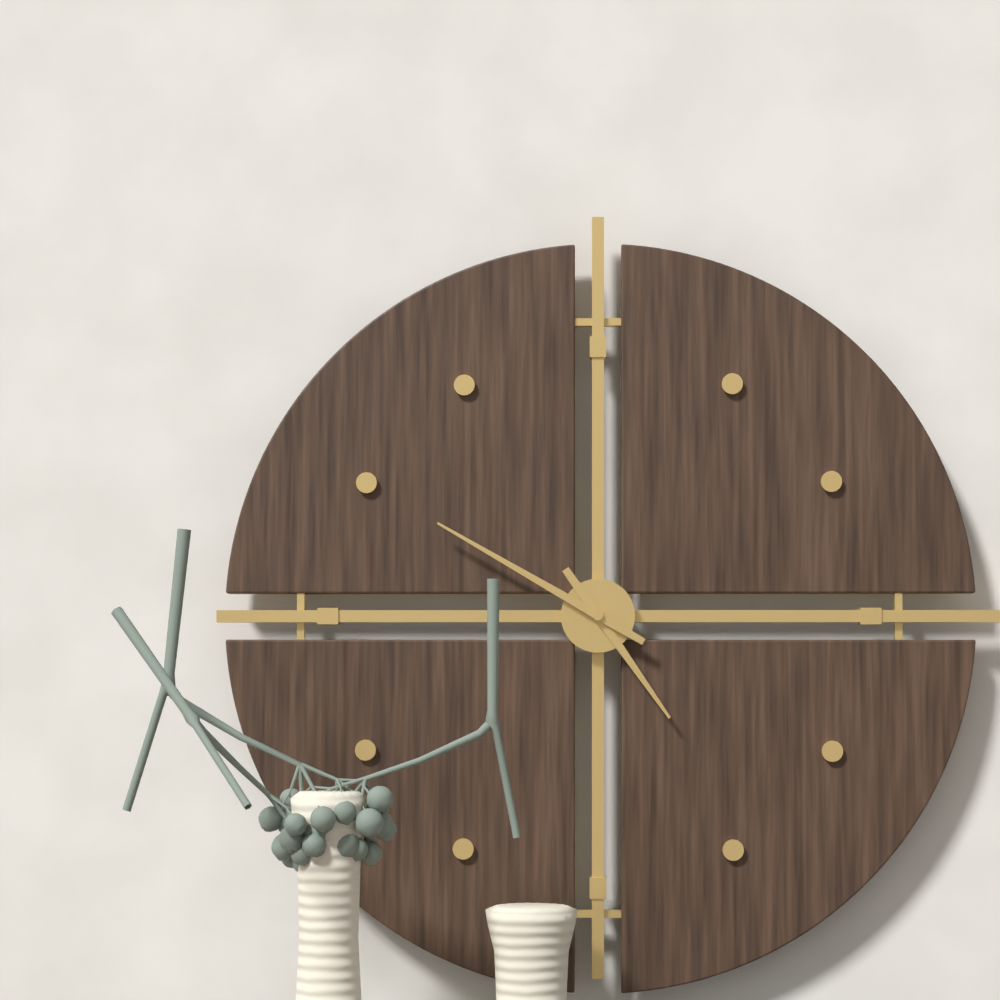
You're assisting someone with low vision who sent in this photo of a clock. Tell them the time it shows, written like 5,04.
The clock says 4,50
